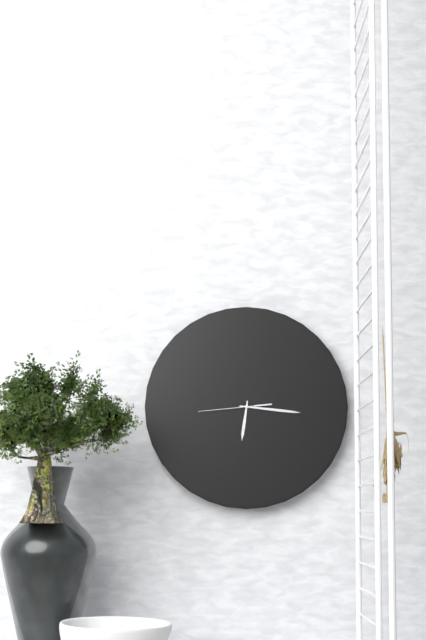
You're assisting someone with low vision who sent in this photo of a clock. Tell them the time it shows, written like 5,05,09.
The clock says 6,16,44
